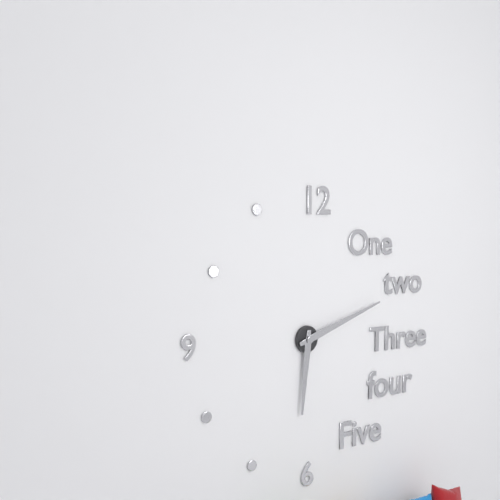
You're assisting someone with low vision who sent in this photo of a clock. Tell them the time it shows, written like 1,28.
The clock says 6,12
